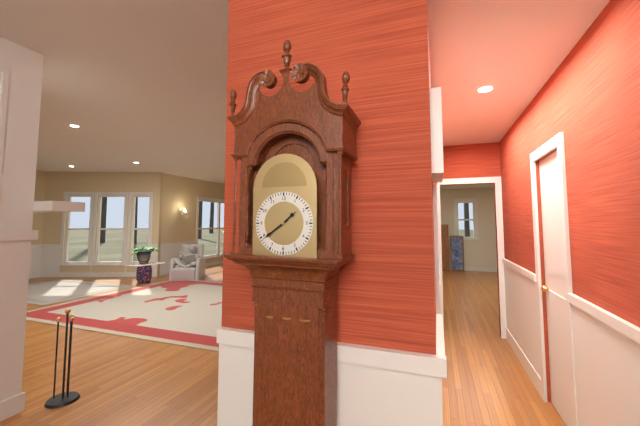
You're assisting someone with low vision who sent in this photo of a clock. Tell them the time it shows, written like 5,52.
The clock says 1,39
